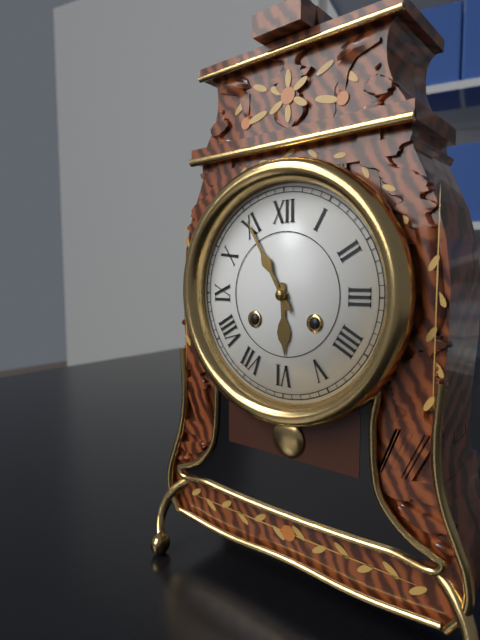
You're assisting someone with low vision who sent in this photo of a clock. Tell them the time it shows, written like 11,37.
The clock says 5,55
